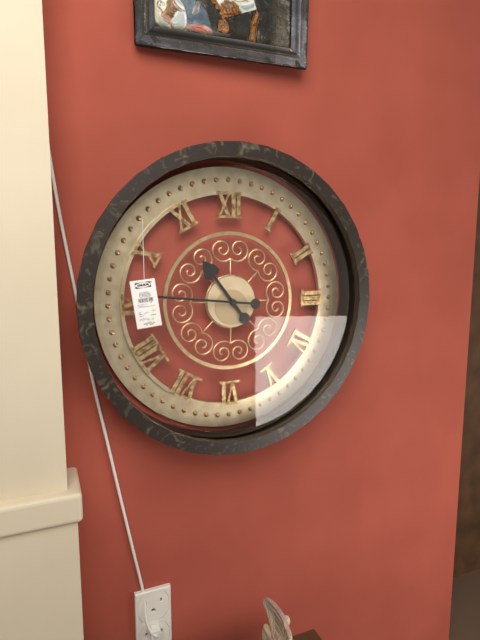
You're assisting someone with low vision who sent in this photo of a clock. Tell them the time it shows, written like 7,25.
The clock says 10,46
